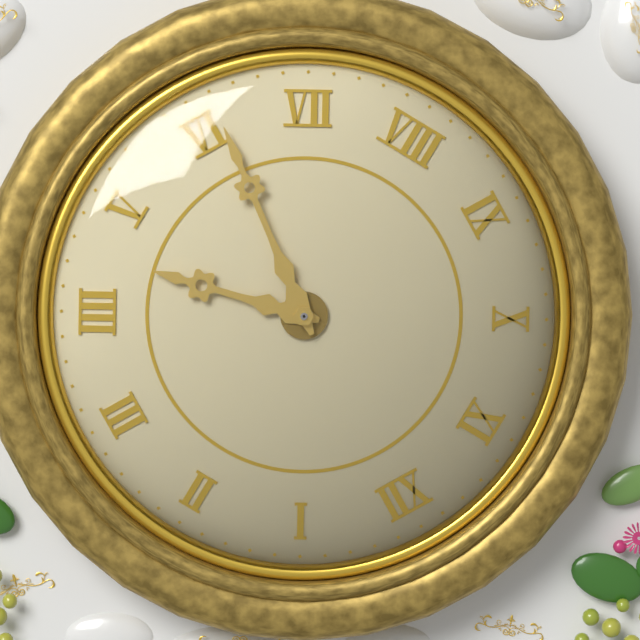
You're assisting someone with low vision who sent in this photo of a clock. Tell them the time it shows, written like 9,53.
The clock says 4,31
